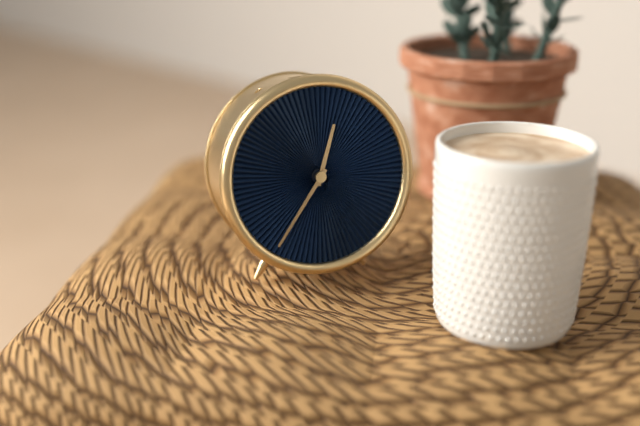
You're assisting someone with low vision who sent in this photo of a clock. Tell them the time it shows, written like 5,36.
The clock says 12,36
